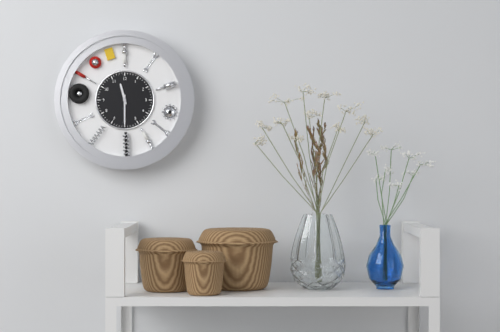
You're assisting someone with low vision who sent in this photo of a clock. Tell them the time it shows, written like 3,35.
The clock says 11,30
